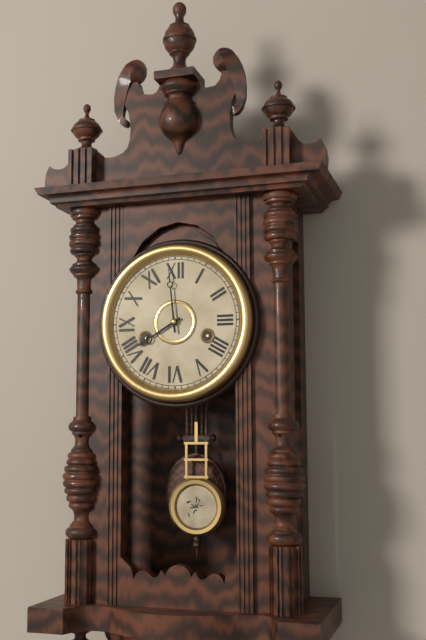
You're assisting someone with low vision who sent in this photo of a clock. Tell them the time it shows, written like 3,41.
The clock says 7,59
